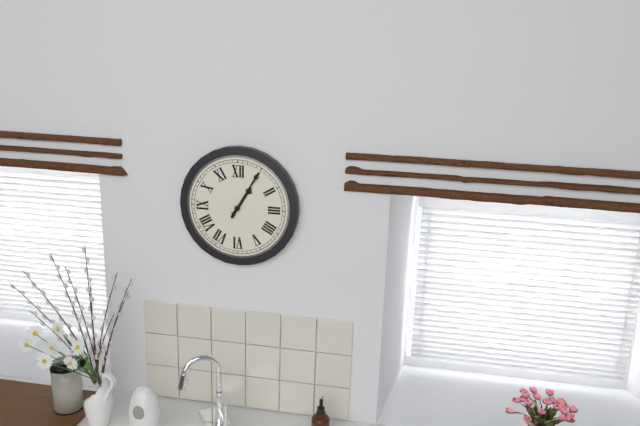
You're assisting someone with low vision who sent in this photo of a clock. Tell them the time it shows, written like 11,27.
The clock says 1,05
